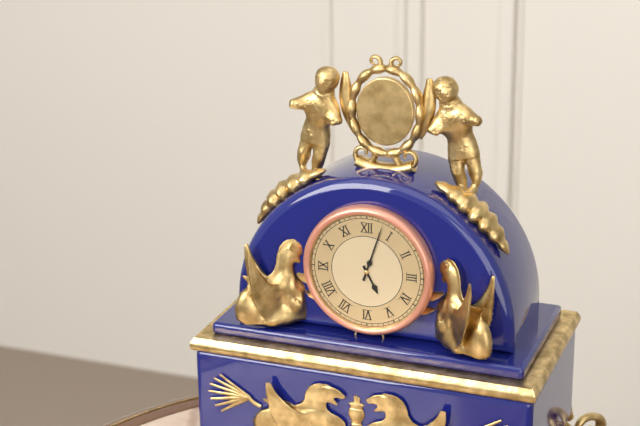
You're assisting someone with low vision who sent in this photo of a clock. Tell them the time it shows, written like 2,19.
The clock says 5,03
